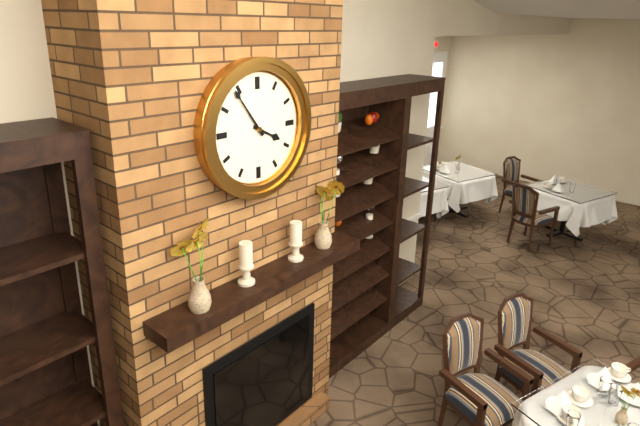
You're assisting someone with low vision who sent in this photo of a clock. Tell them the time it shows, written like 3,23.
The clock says 3,54
